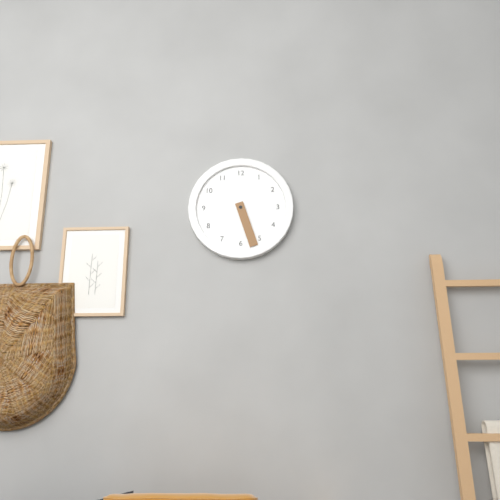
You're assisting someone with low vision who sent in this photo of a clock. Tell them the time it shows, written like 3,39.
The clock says 5,27
